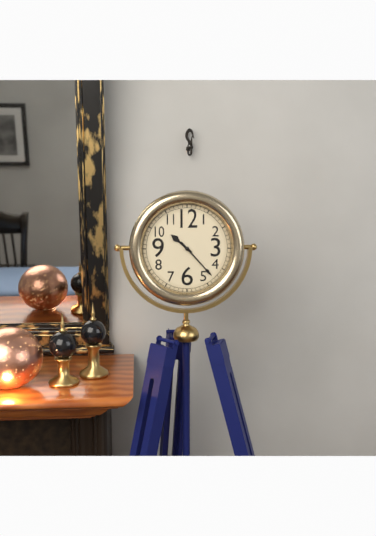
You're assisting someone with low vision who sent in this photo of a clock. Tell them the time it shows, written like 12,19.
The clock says 10,23
